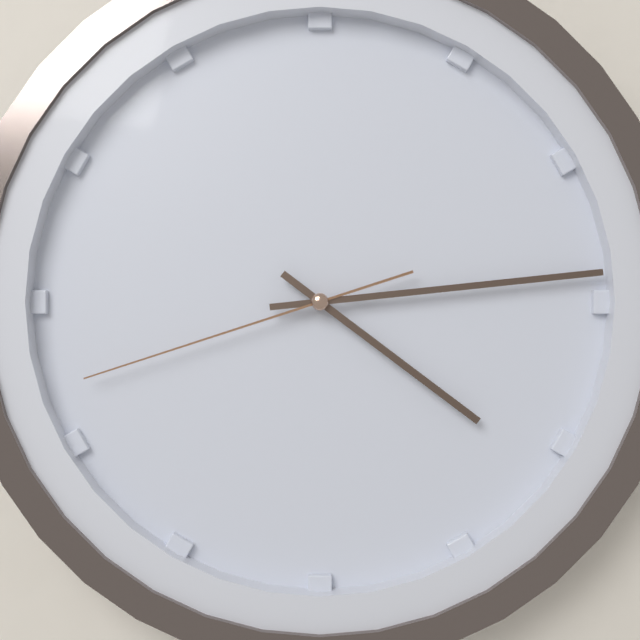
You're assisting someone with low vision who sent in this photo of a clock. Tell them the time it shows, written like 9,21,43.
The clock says 4,14,42
